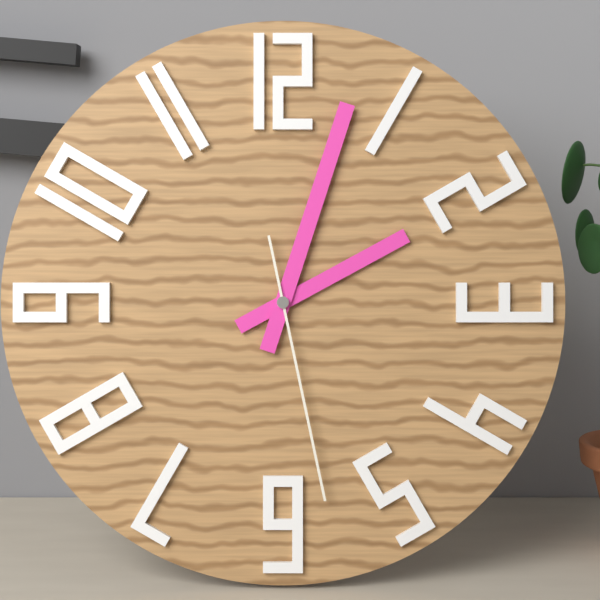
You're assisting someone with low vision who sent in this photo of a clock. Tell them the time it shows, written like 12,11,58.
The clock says 2,03,28
